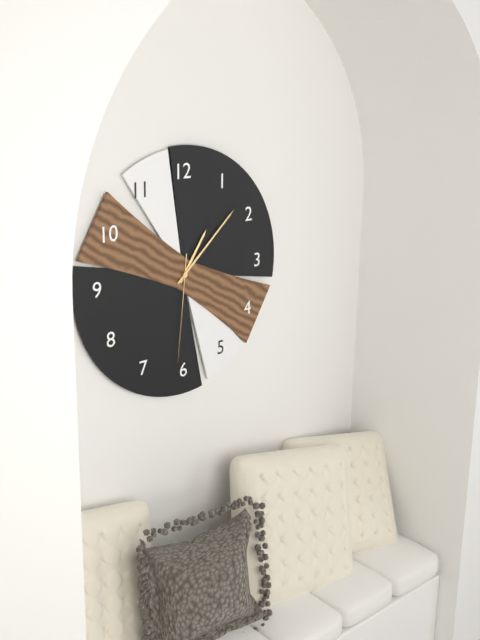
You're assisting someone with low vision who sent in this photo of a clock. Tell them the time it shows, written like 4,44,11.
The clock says 1,08,31
